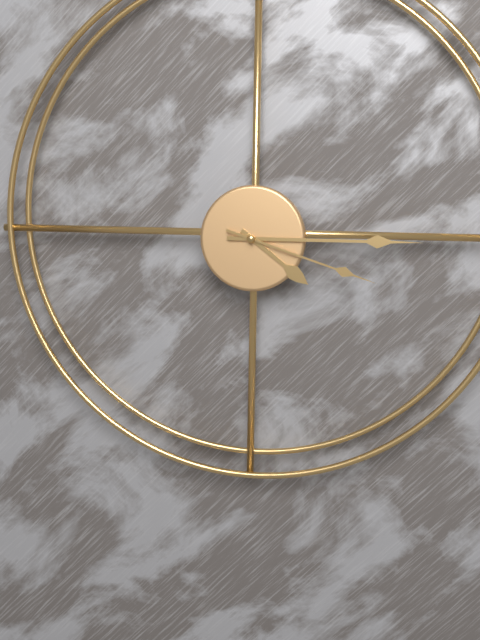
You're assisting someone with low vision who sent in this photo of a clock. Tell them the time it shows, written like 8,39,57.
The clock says 4,15,18
